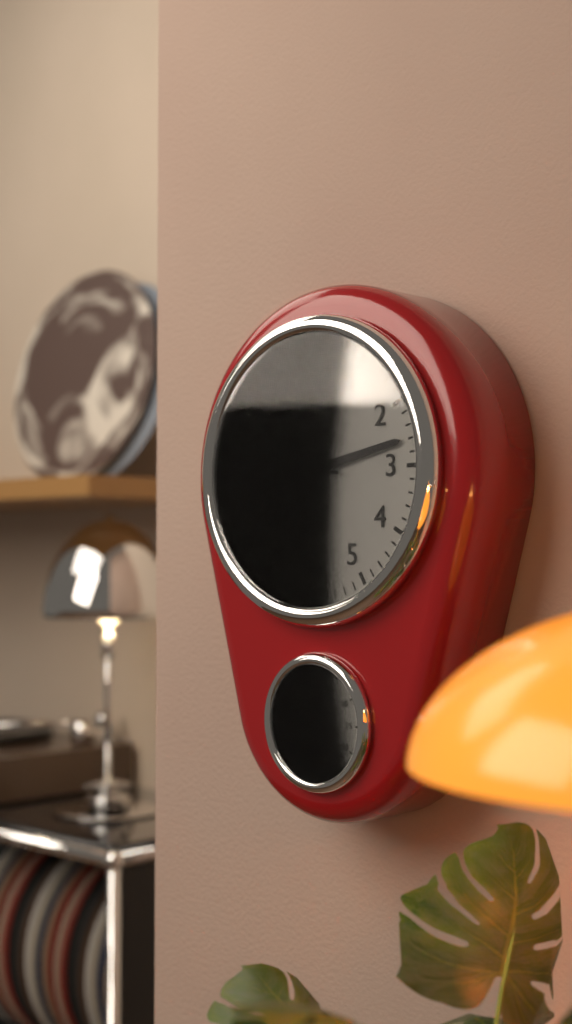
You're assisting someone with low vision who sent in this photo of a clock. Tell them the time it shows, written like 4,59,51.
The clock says 7,13,46
